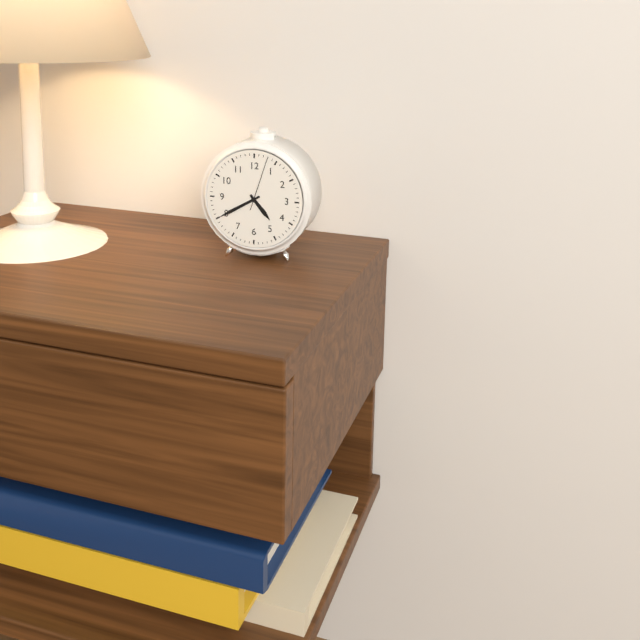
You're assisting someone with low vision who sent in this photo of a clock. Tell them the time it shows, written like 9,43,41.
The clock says 4,40,03
